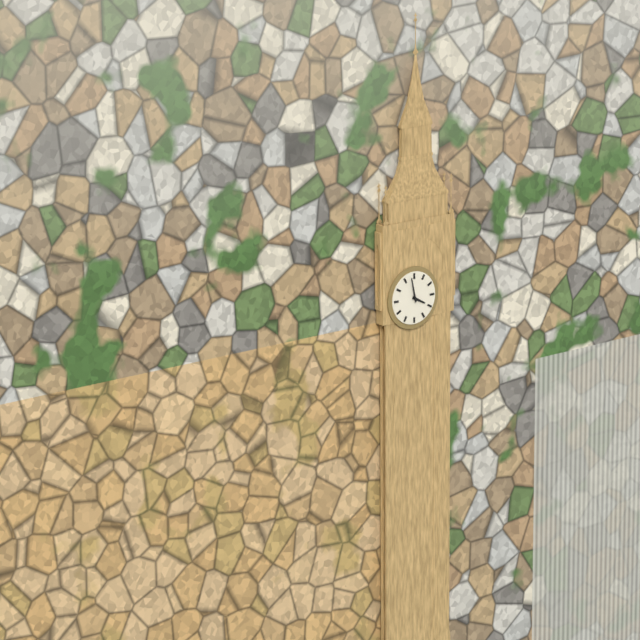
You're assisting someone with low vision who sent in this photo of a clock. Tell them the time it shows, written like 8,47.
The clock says 3,58
